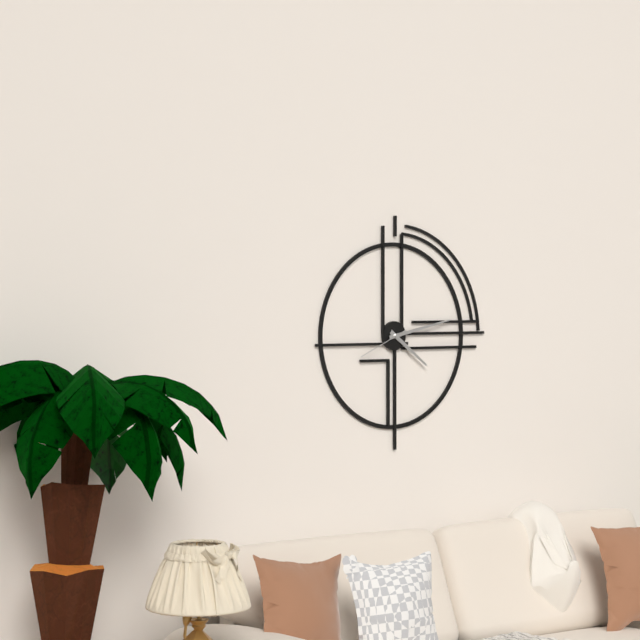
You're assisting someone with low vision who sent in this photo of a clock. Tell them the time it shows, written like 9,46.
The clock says 4,13
